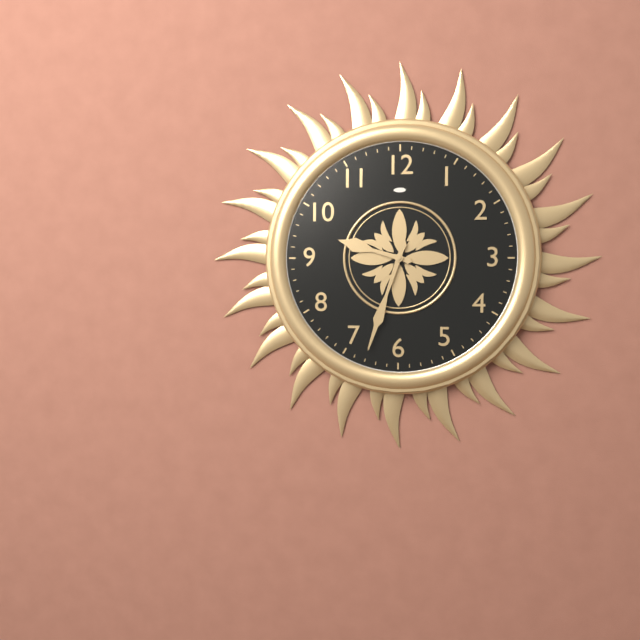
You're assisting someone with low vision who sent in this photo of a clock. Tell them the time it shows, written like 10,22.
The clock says 9,33
